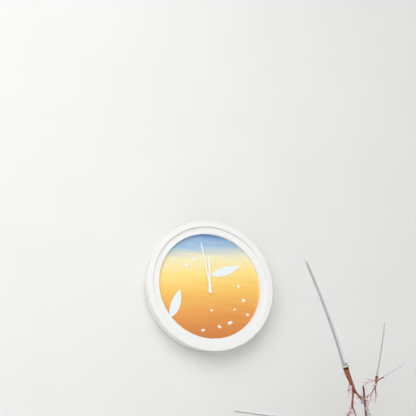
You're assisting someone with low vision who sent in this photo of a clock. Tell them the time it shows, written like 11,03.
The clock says 11,58
